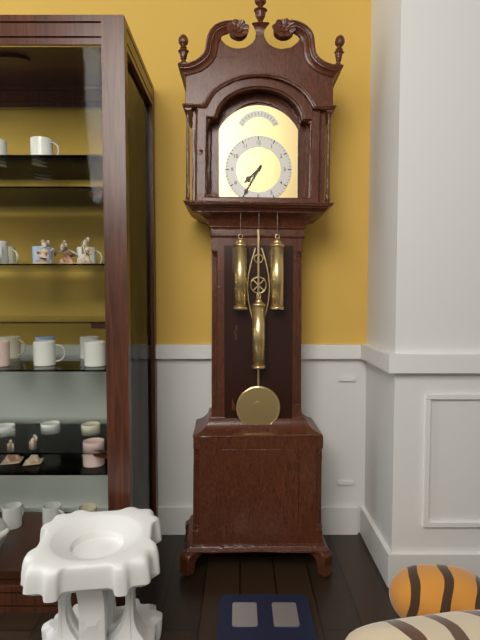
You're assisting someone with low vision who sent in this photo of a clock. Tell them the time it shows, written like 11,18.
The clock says 7,35
